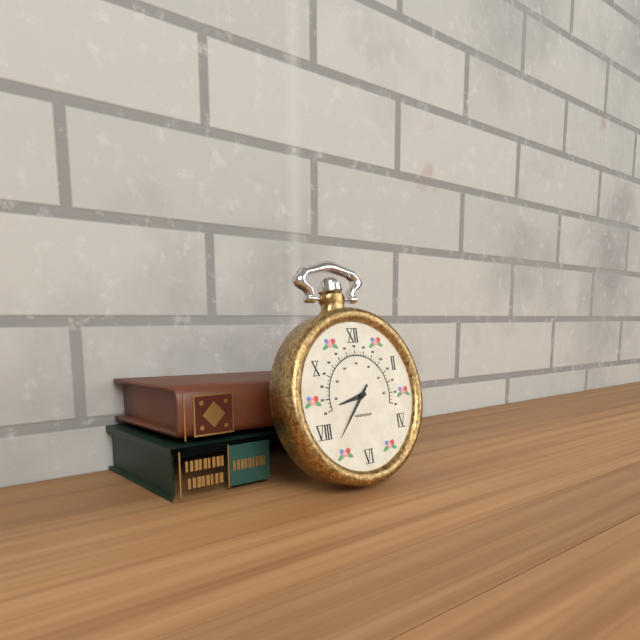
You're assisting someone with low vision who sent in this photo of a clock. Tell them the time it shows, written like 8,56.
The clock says 8,37
